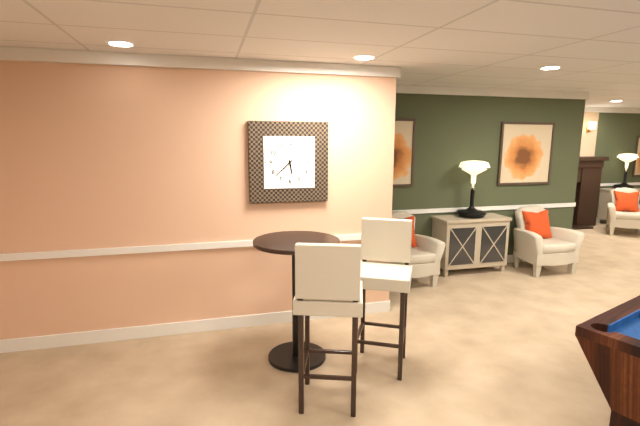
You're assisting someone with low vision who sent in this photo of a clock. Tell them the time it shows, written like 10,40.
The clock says 5,38
